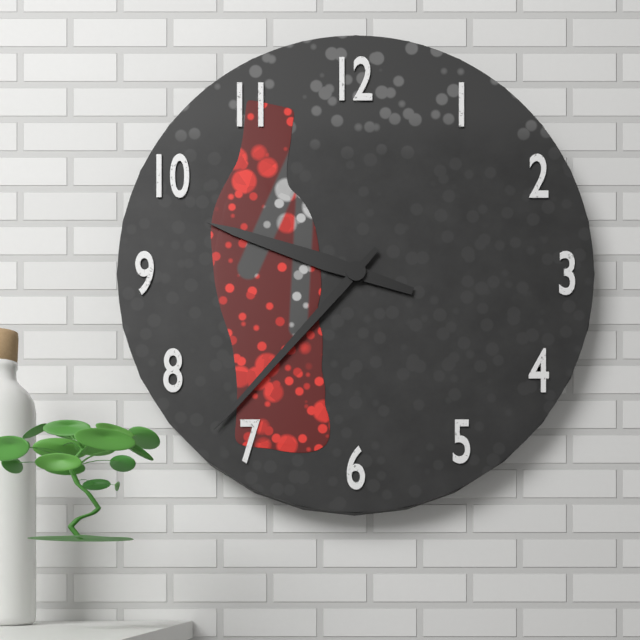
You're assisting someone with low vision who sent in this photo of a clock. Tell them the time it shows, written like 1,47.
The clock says 9,37
